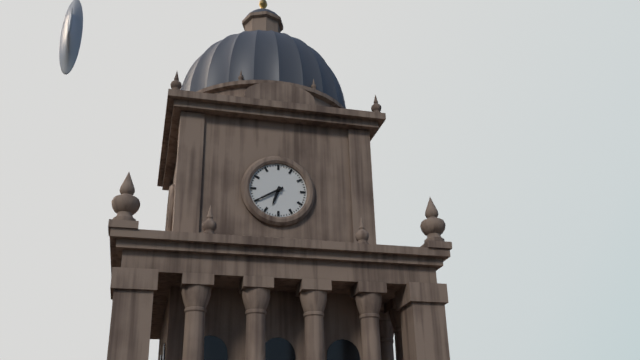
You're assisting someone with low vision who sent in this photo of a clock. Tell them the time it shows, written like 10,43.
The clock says 6,40
